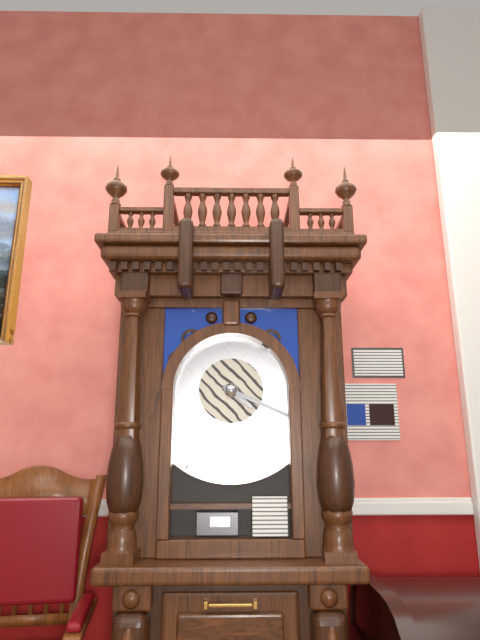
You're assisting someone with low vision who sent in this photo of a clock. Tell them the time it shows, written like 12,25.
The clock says 4,19
